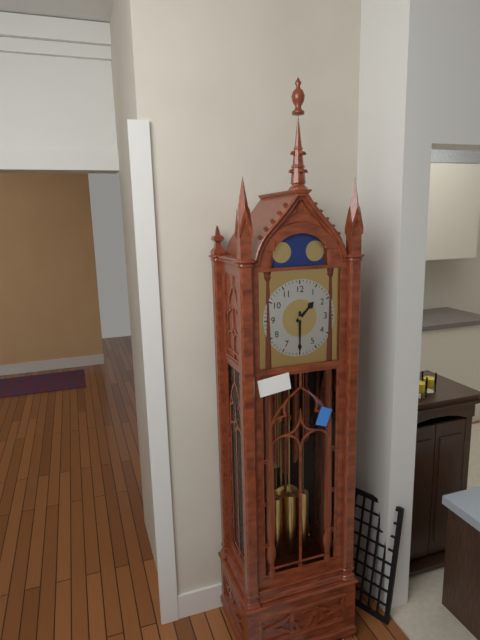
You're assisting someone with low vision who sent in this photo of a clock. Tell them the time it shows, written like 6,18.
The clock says 1,30
